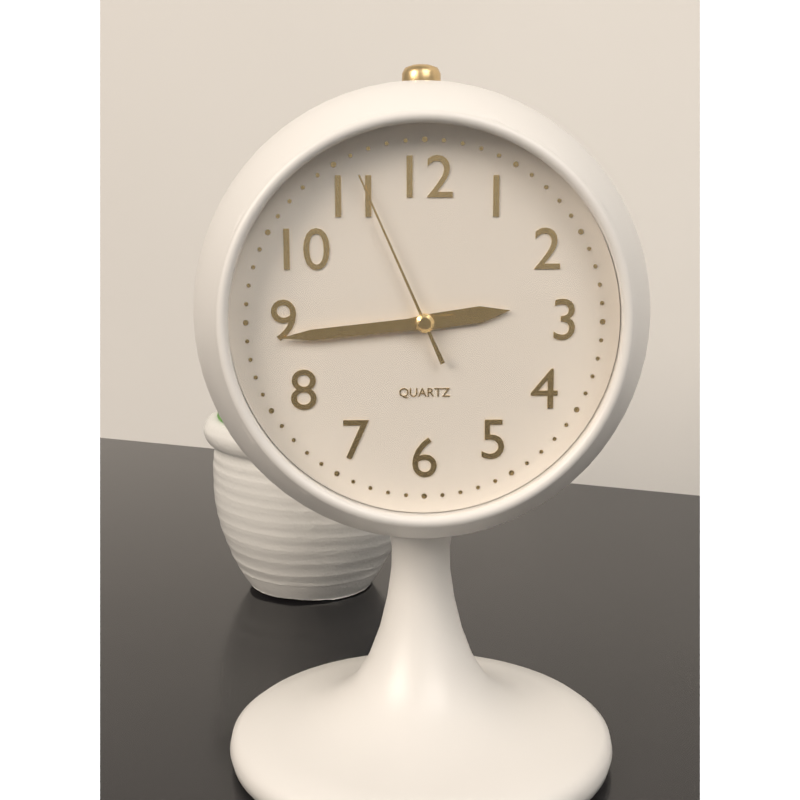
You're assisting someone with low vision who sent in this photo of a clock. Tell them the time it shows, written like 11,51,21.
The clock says 2,44,56
